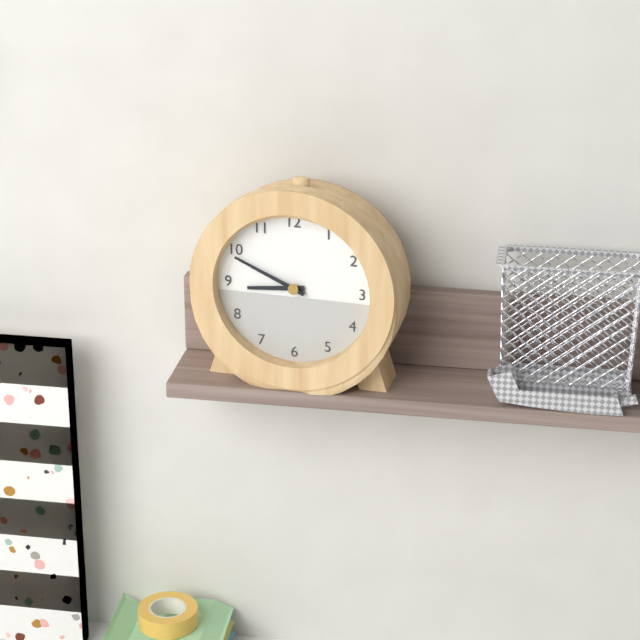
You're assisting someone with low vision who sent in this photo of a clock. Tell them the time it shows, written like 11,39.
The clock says 8,49
